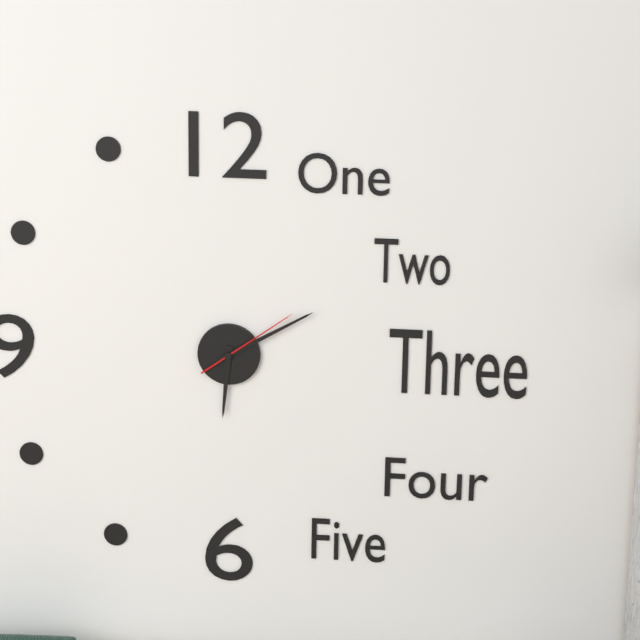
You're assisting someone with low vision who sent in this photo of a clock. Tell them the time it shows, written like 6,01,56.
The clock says 6,10,09
